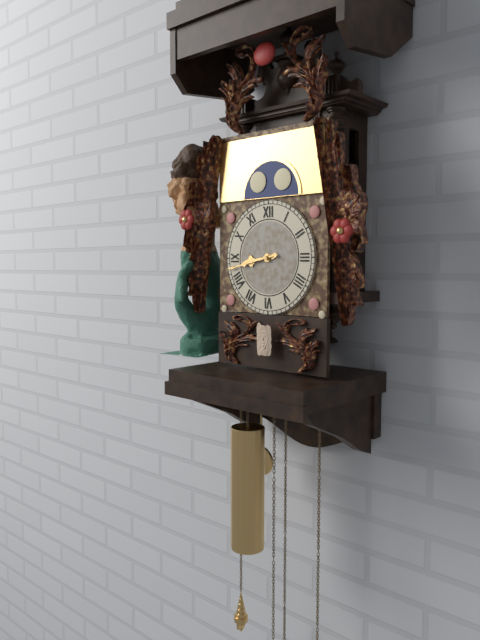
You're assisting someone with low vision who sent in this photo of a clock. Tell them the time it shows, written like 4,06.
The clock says 8,43
